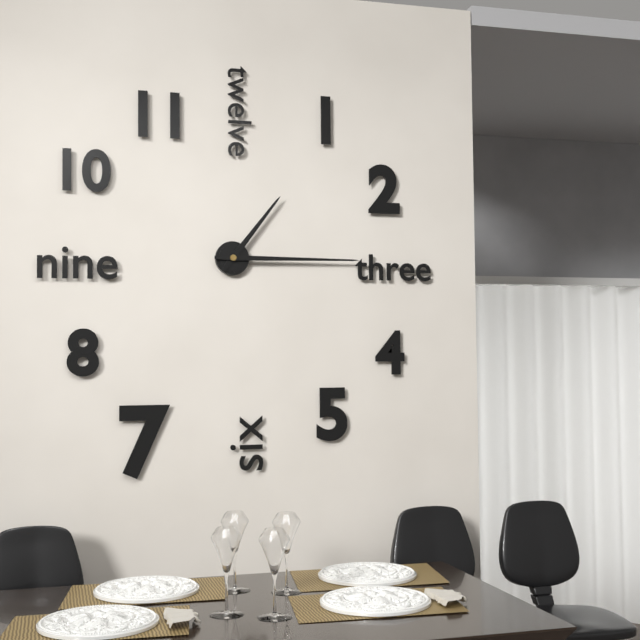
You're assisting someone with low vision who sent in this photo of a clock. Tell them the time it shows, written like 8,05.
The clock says 1,15
